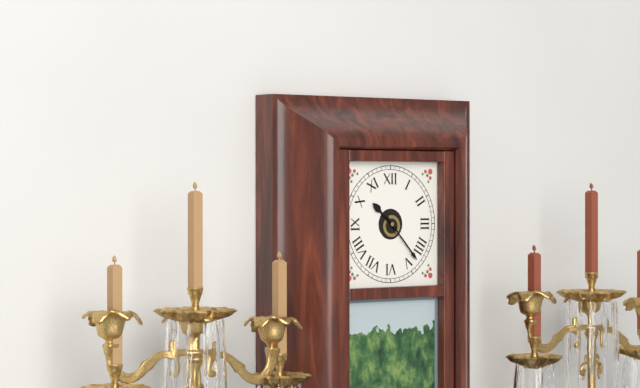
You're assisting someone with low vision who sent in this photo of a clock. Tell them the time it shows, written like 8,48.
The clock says 10,23
